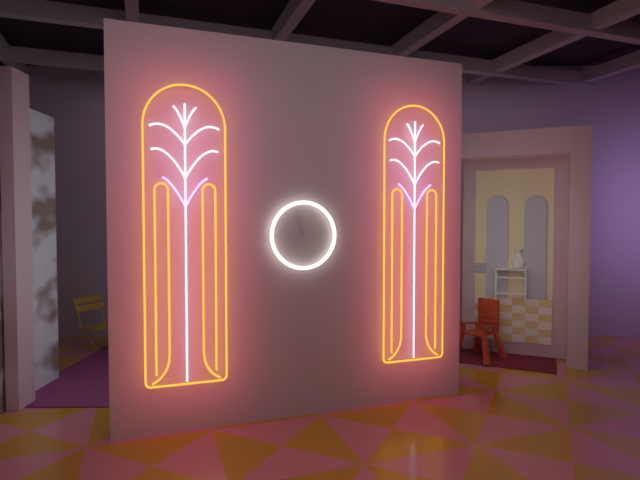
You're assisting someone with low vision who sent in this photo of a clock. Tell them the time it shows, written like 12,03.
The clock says 8,57
